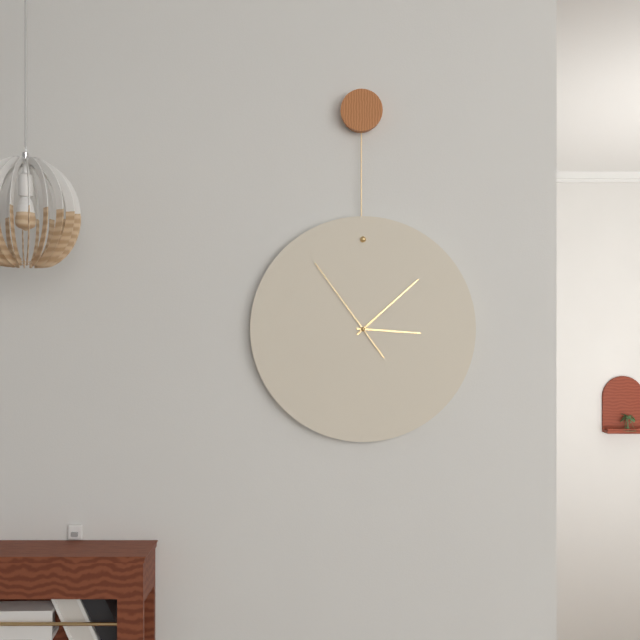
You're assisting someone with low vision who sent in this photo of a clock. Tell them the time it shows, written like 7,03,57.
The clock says 3,08,54
